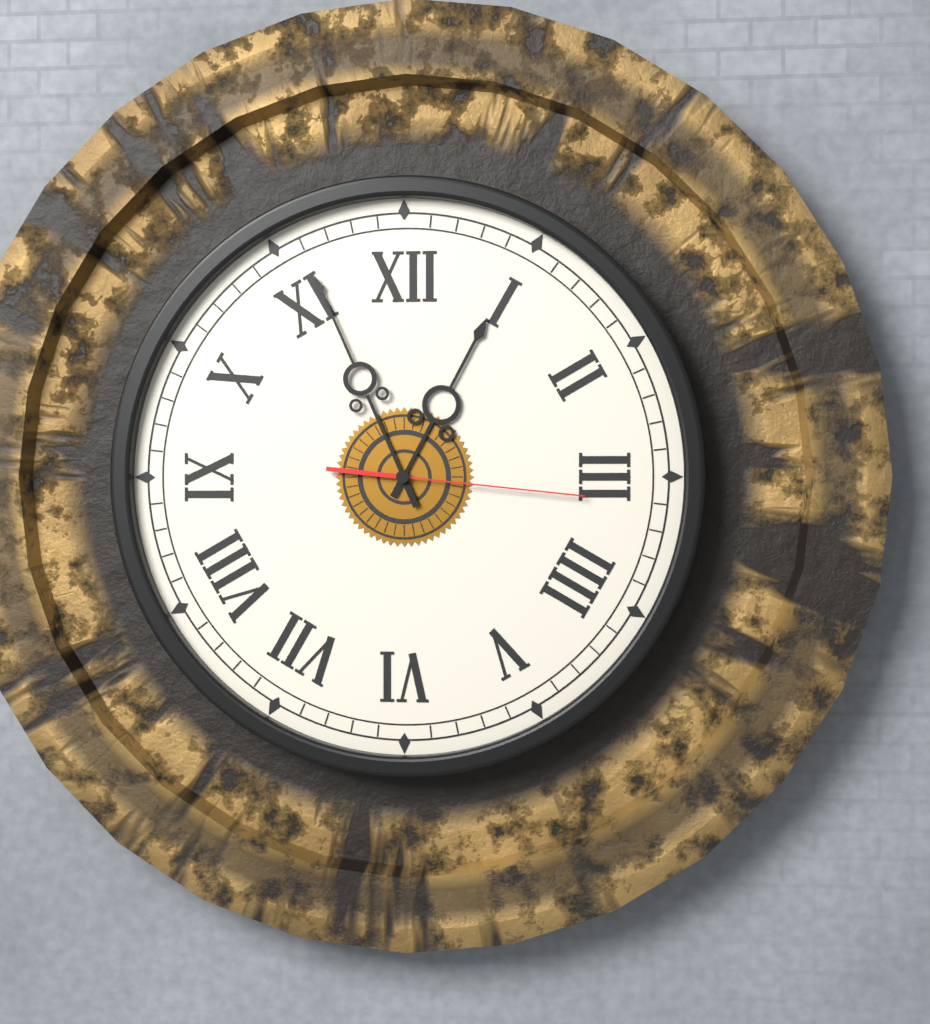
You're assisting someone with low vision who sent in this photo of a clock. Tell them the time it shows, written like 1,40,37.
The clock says 12,56,16
